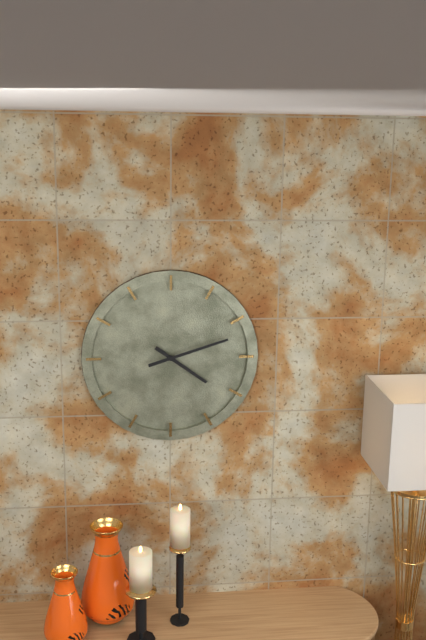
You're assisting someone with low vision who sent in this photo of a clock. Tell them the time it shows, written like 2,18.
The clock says 4,12
